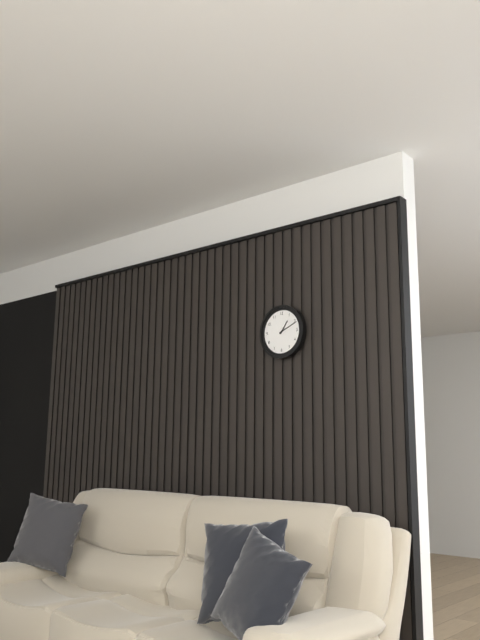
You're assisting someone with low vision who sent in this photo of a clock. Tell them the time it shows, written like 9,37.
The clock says 1,11
